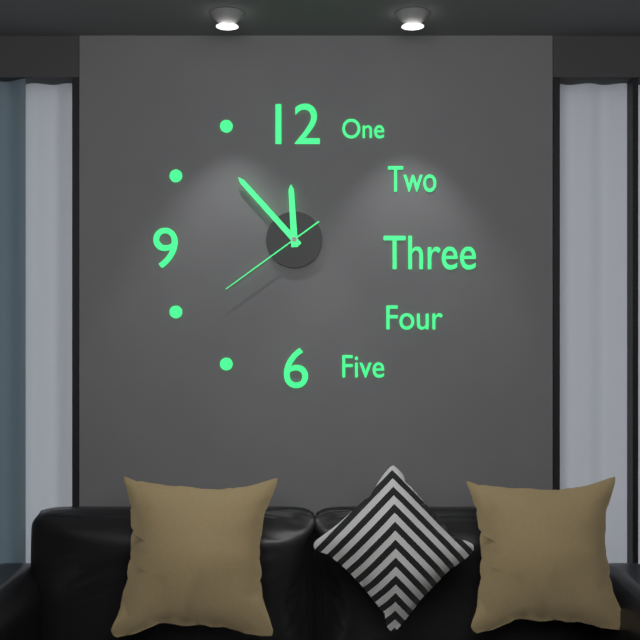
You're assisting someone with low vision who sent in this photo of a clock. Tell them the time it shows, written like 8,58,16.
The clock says 11,53,39
